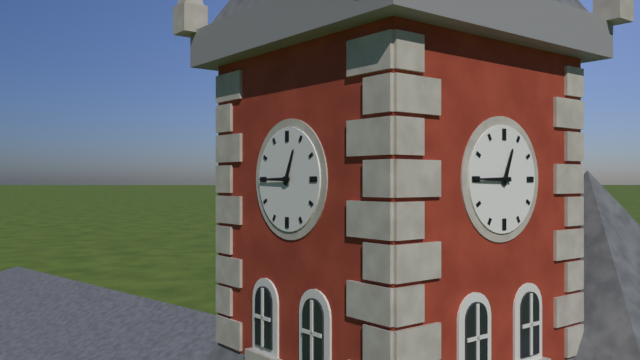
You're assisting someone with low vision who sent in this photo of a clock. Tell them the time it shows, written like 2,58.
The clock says 12,45
